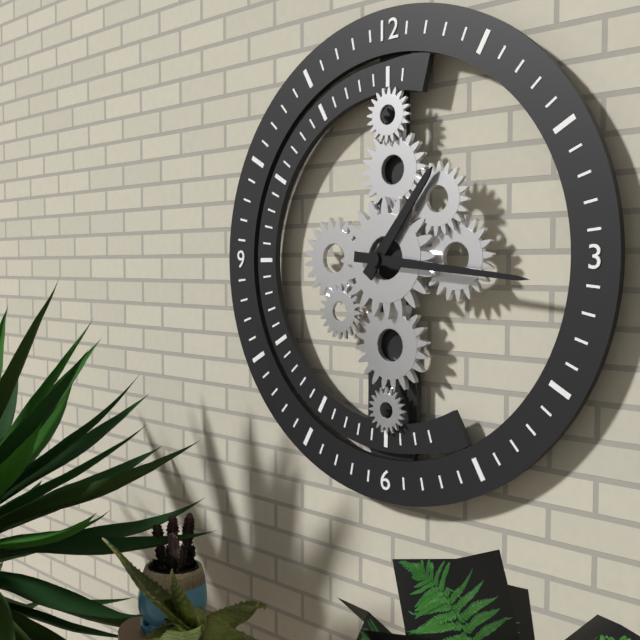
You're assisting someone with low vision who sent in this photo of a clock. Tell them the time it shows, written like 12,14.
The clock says 1,16
